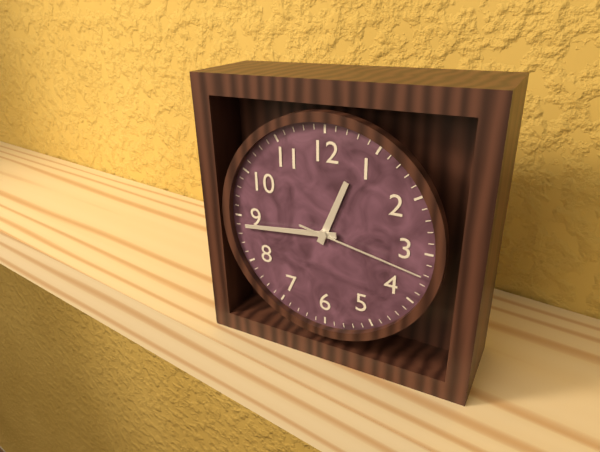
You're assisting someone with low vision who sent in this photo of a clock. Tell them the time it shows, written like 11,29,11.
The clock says 12,44,17
